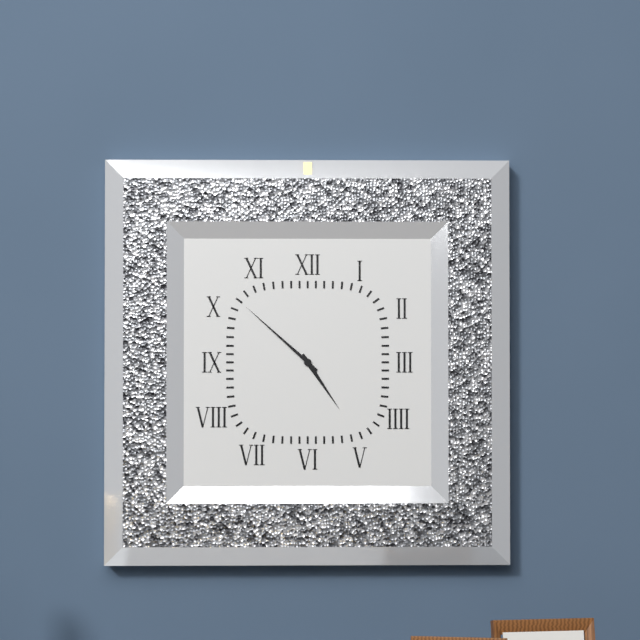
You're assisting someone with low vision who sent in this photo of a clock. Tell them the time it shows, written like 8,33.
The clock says 4,52
